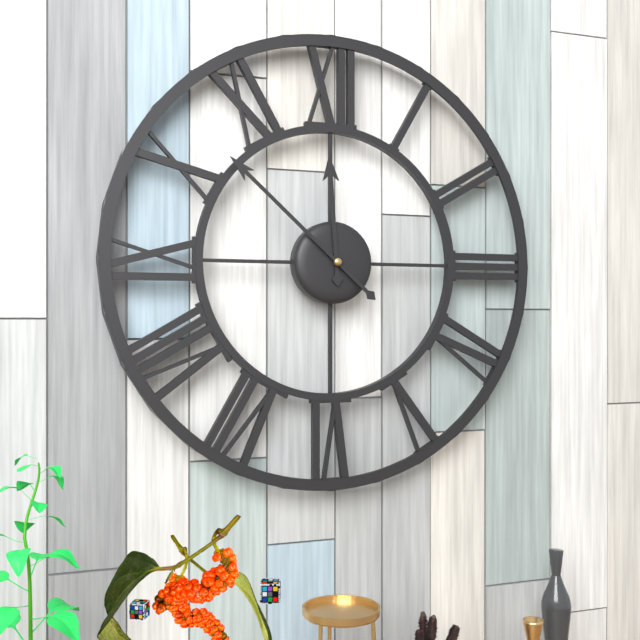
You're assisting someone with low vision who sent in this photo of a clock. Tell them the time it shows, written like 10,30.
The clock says 11,52
